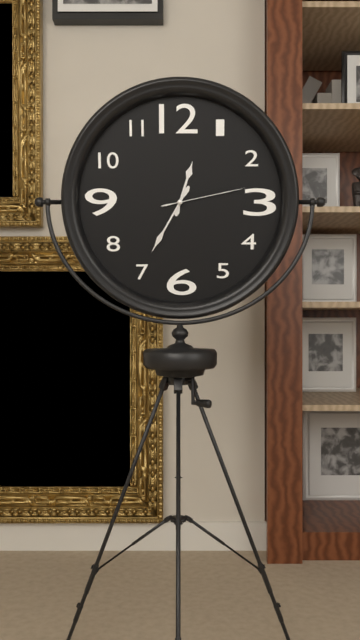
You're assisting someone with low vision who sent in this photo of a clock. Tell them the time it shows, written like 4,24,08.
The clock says 12,35,13
